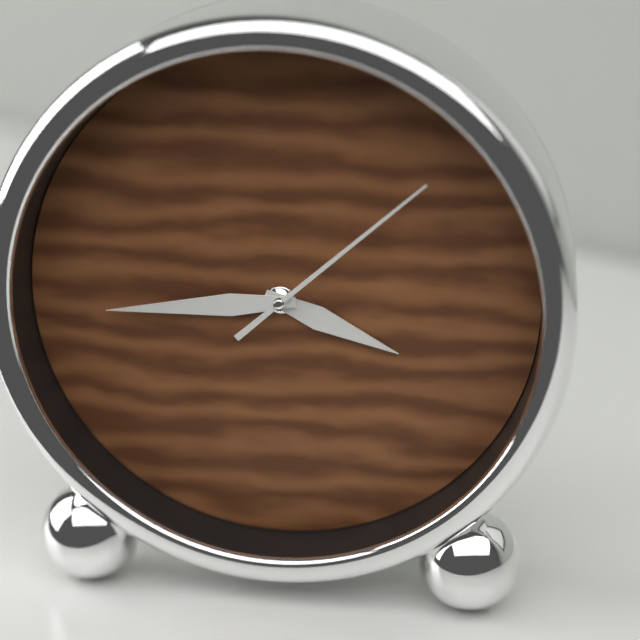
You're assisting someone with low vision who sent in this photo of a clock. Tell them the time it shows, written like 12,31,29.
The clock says 3,44,08
